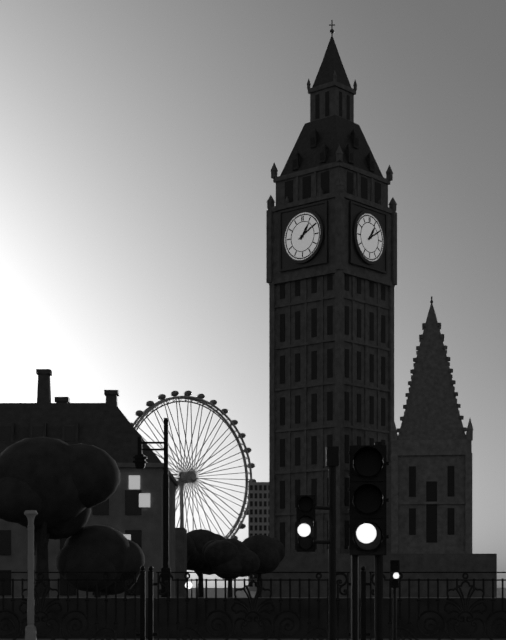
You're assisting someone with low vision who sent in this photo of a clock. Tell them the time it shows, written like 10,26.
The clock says 1,10
